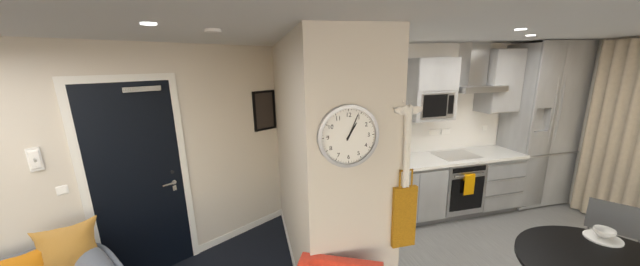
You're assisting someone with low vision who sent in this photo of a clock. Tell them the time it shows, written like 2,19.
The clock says 1,04
